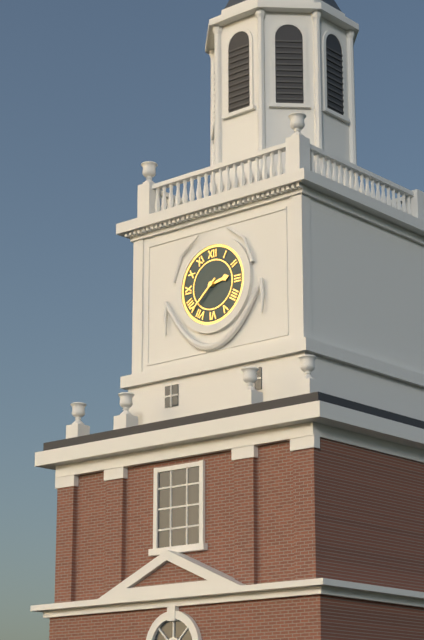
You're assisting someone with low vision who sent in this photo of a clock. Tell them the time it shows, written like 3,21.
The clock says 2,38
